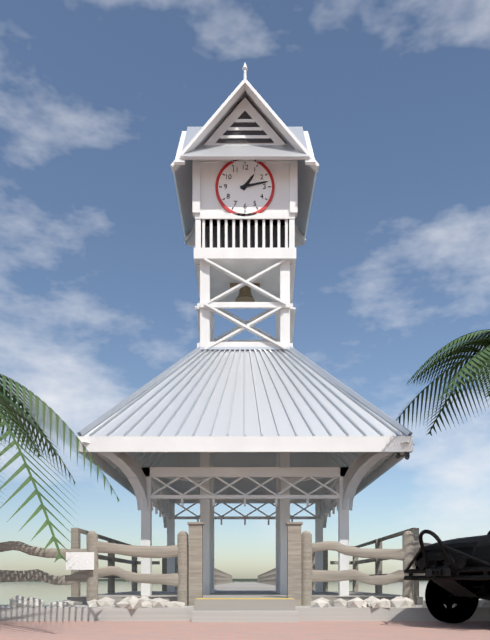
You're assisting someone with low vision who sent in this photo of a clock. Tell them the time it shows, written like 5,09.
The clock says 1,13
